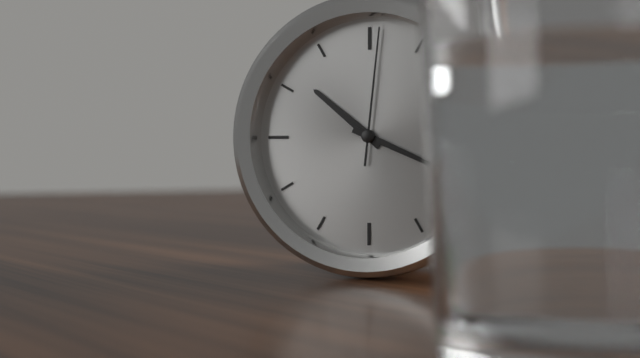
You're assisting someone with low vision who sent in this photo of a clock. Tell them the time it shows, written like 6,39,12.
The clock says 10,19,01
